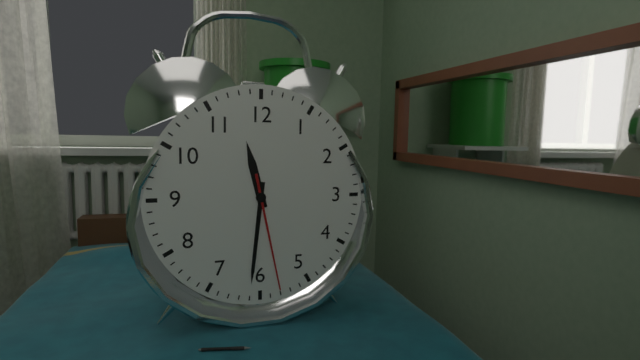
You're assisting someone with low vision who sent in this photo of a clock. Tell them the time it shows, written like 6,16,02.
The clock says 11,31,28
